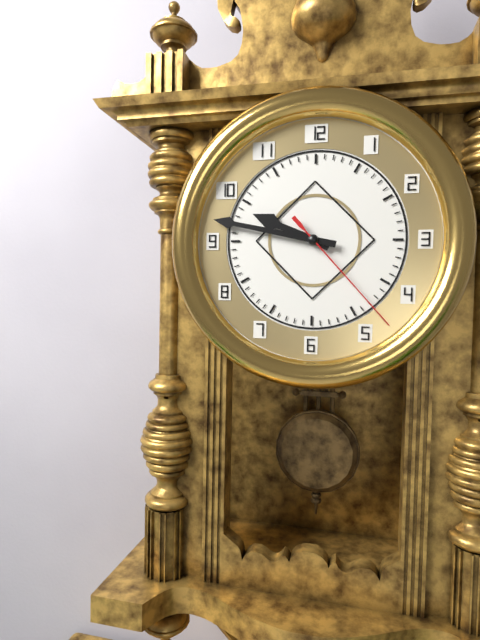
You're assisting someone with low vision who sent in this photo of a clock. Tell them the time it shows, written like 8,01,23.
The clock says 9,47,23
